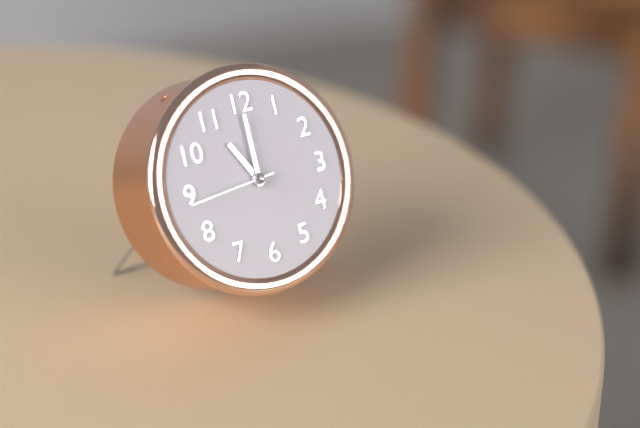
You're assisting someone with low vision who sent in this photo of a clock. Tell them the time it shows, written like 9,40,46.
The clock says 11,00,44
